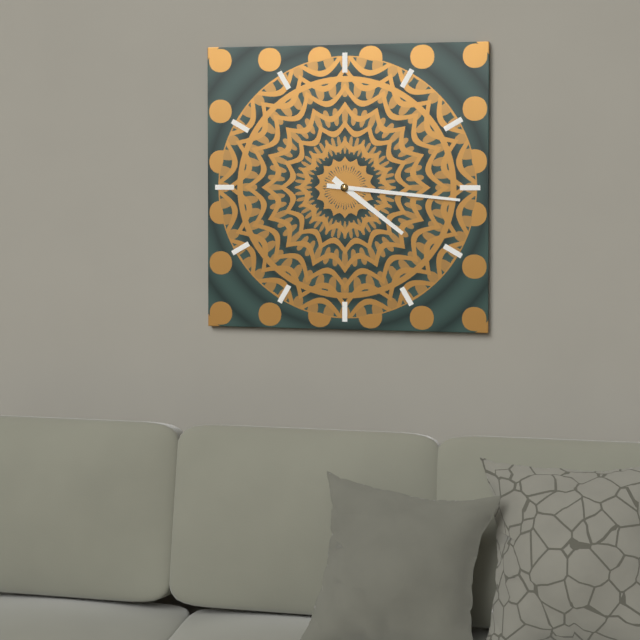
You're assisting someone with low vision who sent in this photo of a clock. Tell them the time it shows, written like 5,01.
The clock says 4,16
